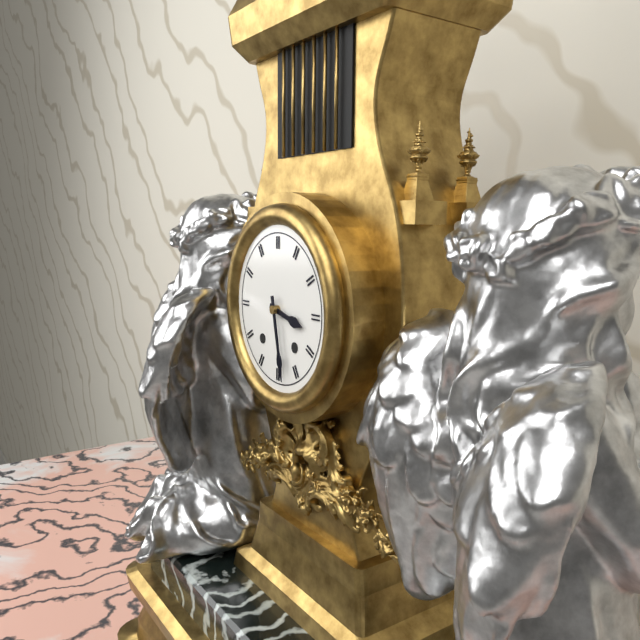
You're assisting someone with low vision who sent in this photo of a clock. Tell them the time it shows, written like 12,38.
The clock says 3,28
